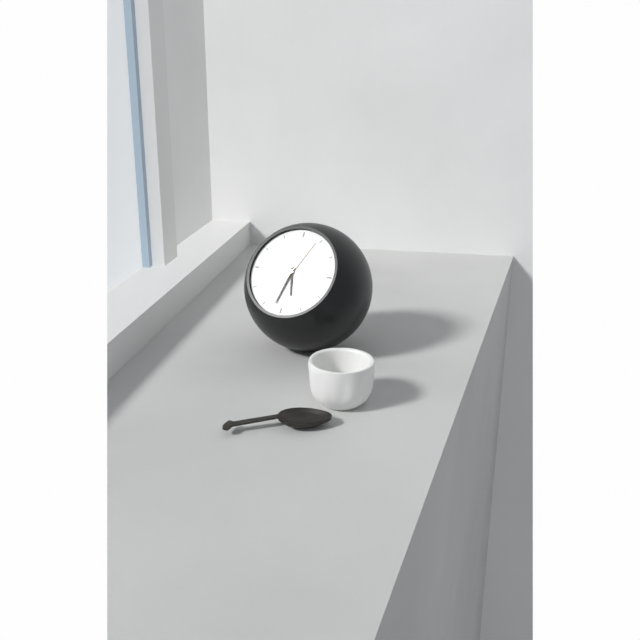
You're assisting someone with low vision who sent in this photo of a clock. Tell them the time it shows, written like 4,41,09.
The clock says 5,32,04
